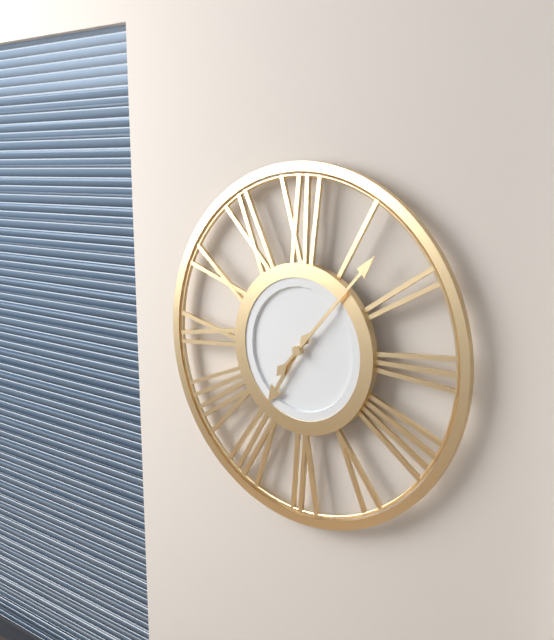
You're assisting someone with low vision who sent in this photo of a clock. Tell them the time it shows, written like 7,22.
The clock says 7,07
